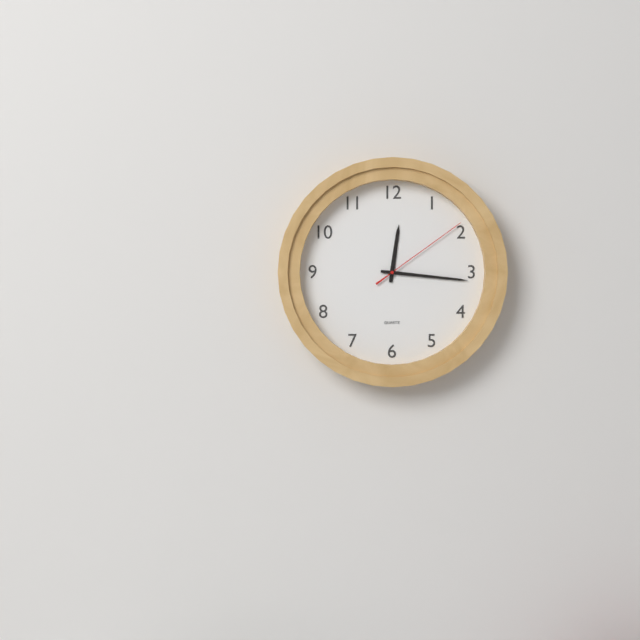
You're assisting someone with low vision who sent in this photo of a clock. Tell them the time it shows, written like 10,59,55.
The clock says 12,16,09
